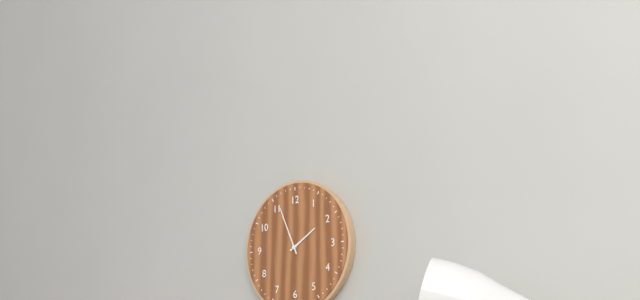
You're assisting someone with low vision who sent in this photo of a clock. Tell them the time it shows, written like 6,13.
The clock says 1,56
